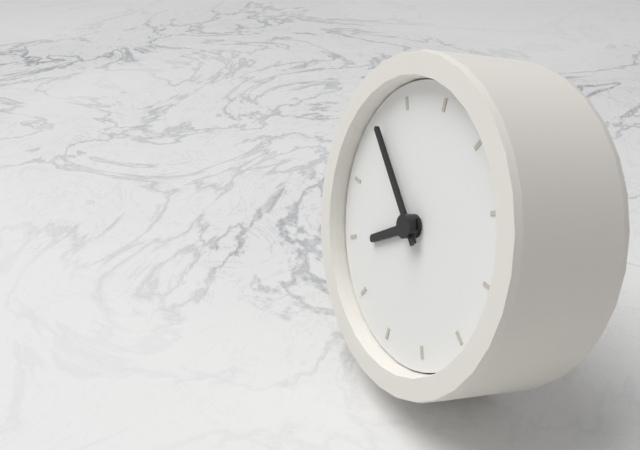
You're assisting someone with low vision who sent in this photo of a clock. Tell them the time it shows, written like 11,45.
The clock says 7,51
